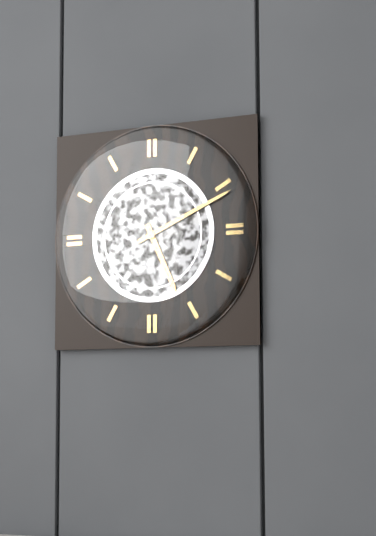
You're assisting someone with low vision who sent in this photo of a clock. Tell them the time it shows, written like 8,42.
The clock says 5,11
